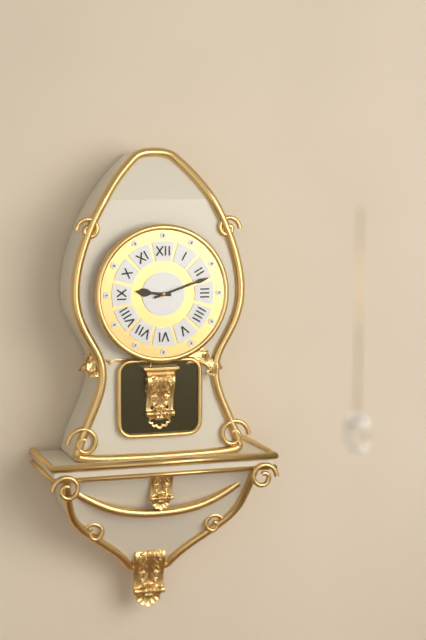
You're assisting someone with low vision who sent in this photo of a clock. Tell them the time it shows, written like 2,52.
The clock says 9,12
